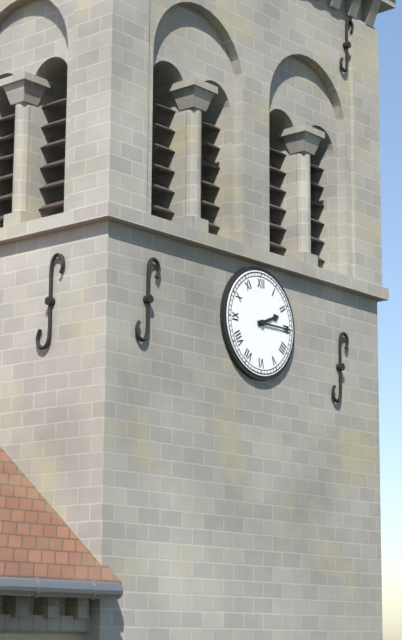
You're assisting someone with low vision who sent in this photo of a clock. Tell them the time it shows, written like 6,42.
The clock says 2,15
